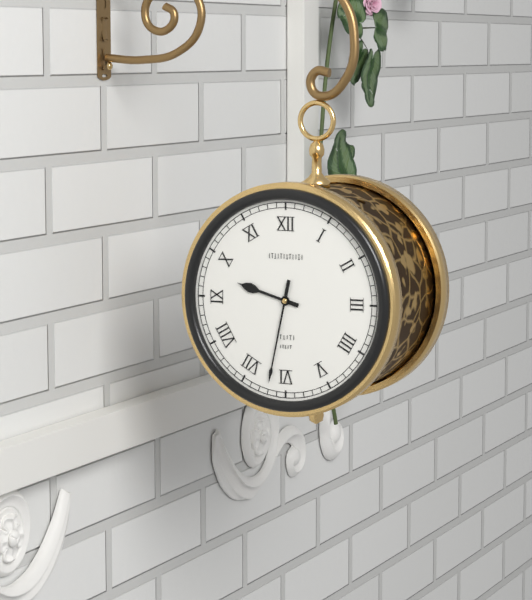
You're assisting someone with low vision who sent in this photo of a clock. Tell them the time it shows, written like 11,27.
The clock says 9,32
